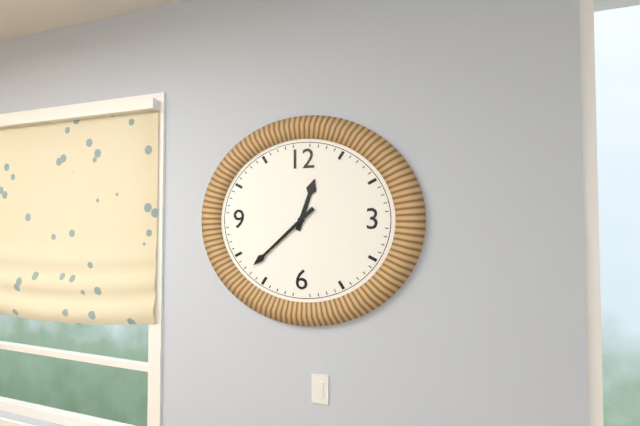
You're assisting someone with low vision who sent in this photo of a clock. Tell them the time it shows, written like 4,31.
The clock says 12,38
